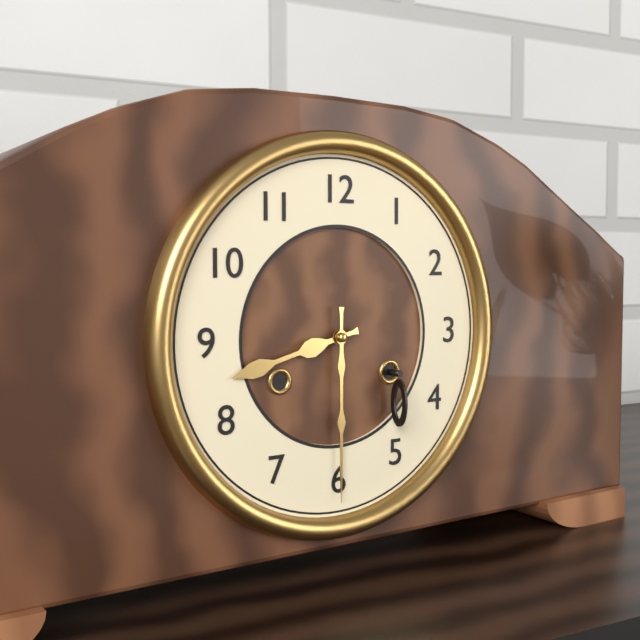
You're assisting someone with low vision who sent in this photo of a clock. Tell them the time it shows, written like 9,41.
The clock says 8,30
